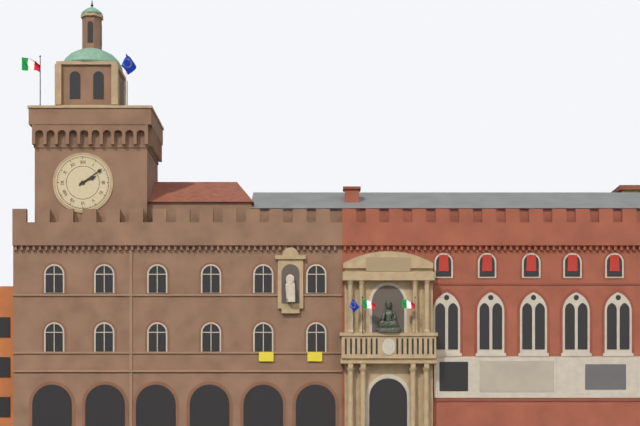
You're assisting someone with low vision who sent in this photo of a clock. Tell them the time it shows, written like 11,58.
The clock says 2,09
